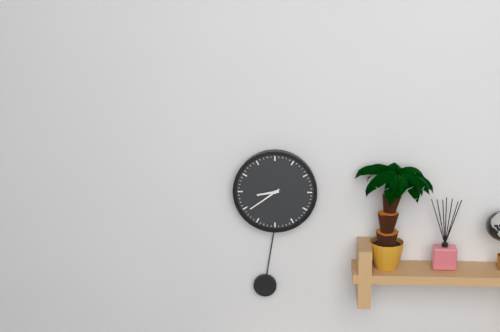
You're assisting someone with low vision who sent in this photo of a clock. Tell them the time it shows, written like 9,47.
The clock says 8,39
